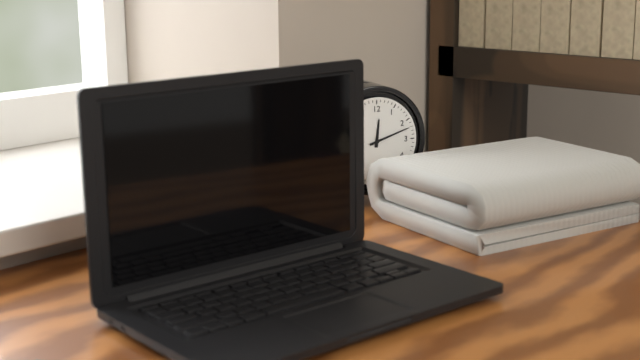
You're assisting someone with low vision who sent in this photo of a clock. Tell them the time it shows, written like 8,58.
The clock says 12,12
